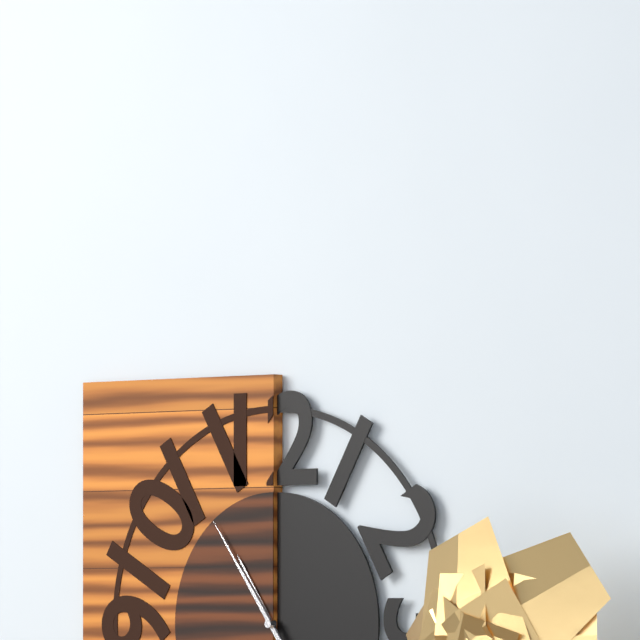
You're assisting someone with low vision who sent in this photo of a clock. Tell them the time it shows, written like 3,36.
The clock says 10,54
